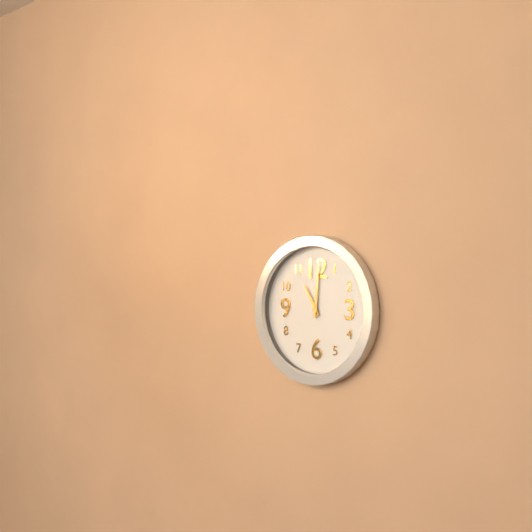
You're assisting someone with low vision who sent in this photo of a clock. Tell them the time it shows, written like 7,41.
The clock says 11,01
